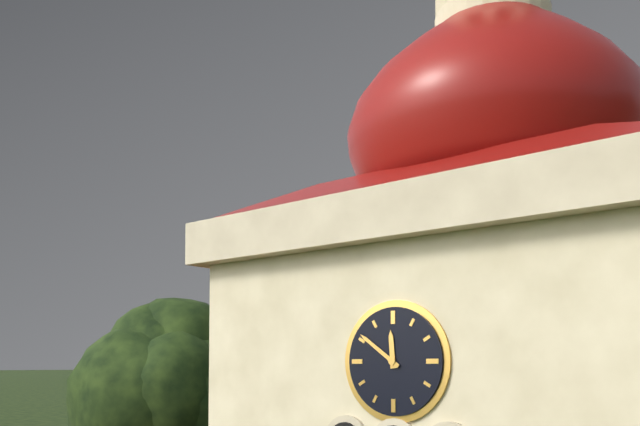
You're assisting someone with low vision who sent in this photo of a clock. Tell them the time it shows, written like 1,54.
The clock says 11,51
